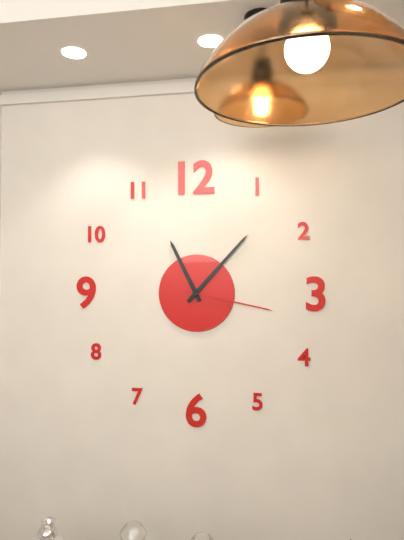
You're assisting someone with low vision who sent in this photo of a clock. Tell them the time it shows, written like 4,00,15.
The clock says 11,07,17
